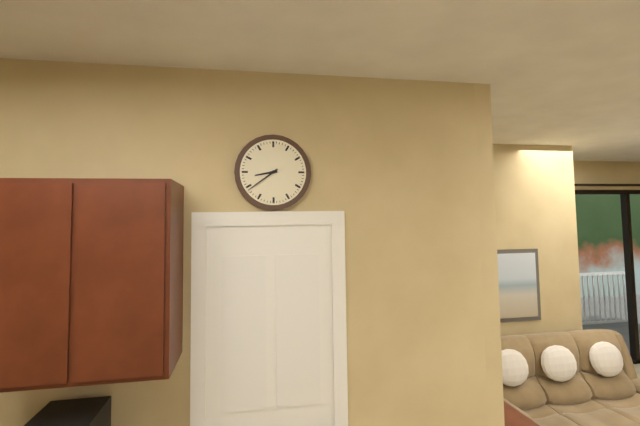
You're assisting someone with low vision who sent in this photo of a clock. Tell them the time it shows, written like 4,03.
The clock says 8,39
